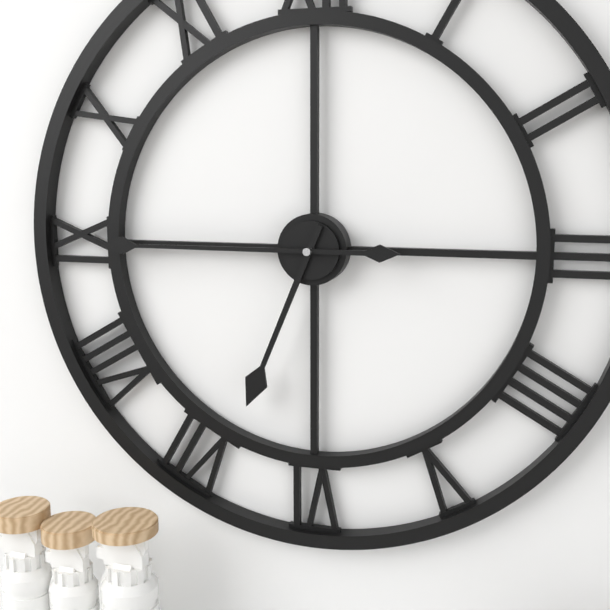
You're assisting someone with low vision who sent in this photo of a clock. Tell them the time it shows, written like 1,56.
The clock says 6,45
